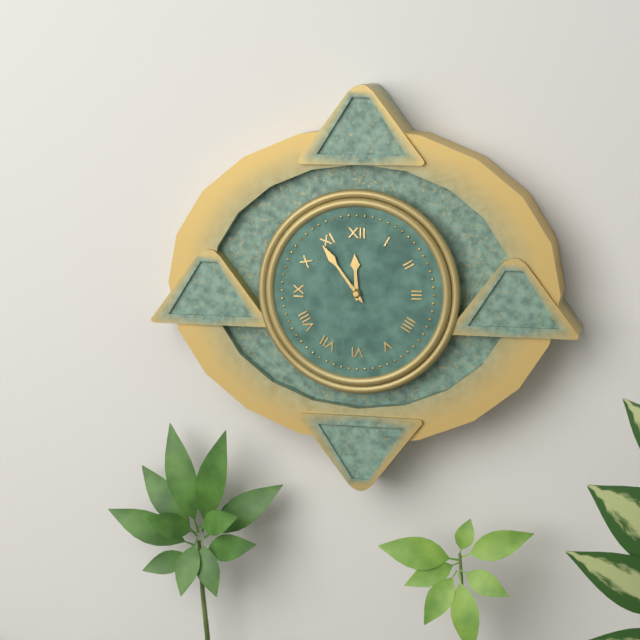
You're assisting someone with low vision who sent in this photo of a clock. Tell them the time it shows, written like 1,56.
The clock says 11,54
